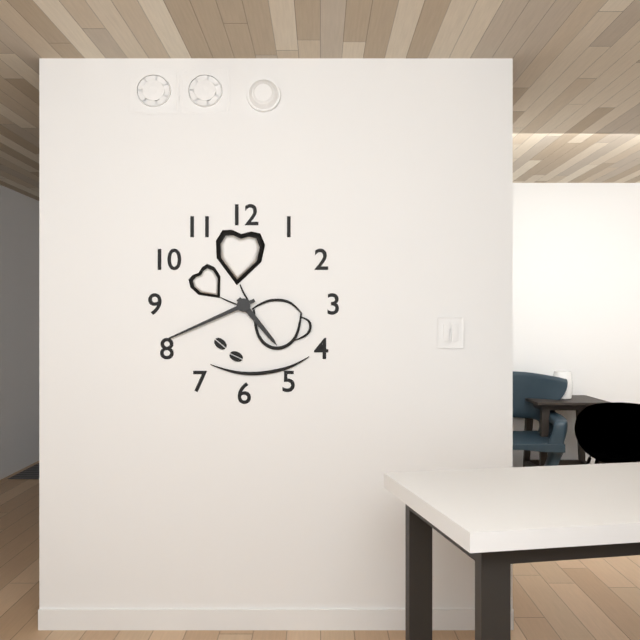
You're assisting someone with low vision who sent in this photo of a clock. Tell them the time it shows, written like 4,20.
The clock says 4,41
